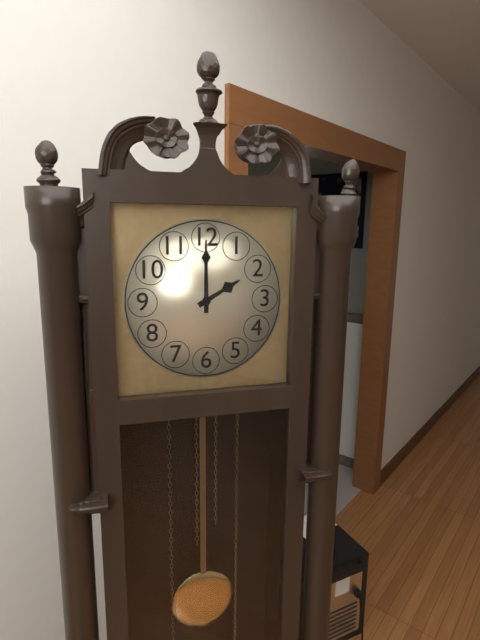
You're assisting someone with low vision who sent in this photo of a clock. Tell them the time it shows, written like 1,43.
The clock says 2,00
